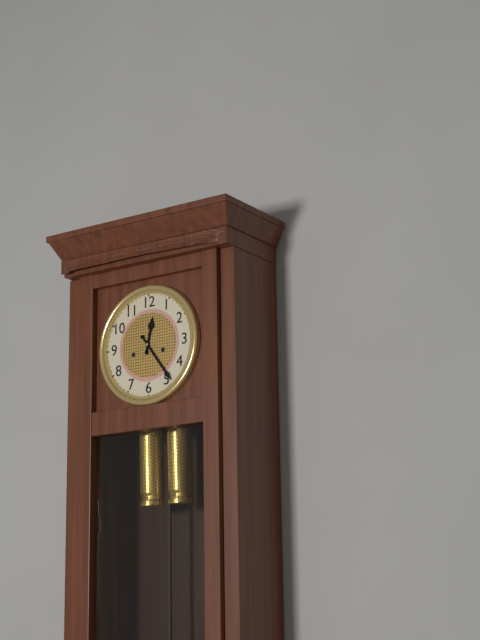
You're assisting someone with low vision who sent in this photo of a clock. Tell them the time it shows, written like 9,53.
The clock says 12,24
